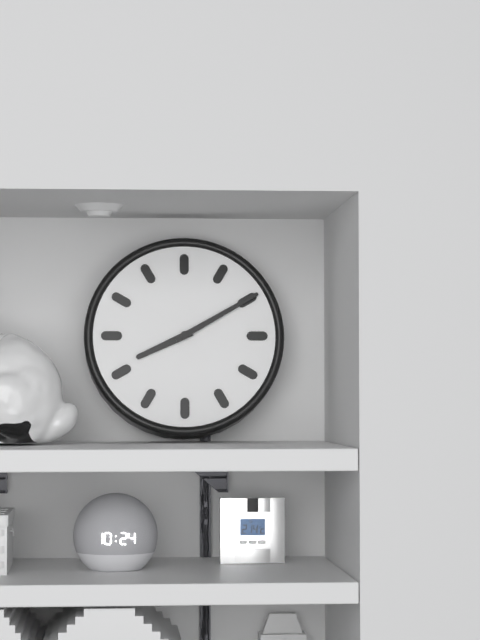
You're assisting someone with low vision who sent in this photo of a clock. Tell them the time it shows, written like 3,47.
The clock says 8,10
